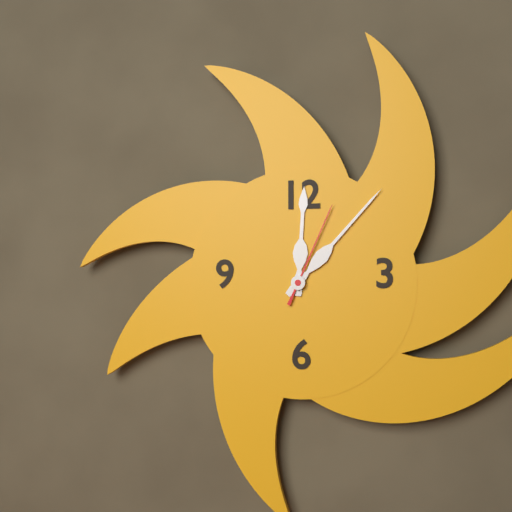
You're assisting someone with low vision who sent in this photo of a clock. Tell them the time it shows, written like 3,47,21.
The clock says 12,07,04
